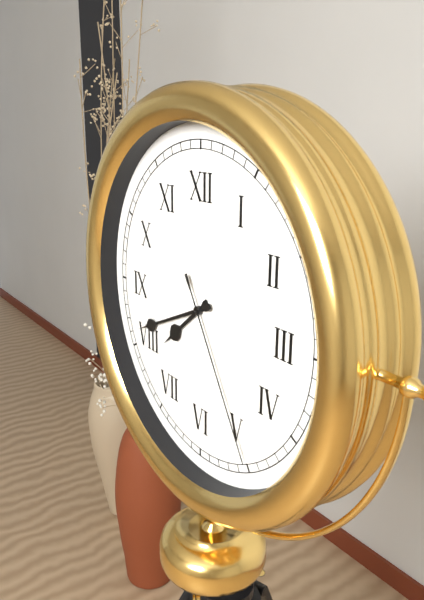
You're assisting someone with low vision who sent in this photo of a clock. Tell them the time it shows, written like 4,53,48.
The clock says 7,41,25
